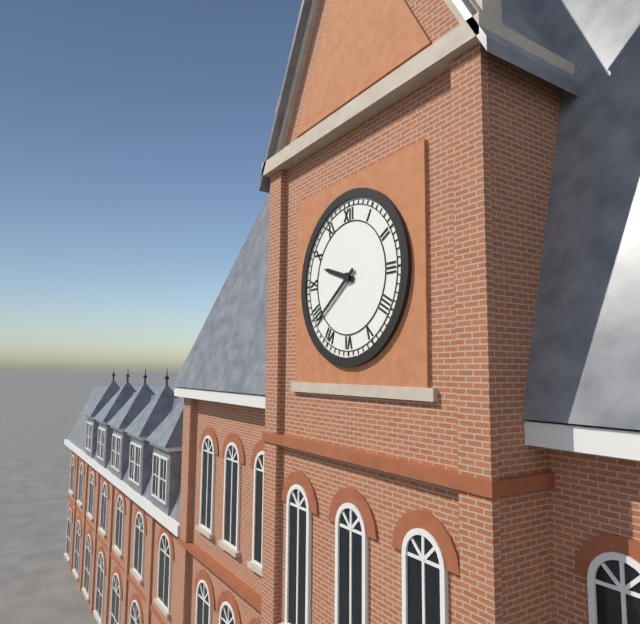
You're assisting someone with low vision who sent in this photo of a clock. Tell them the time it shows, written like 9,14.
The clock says 9,39
